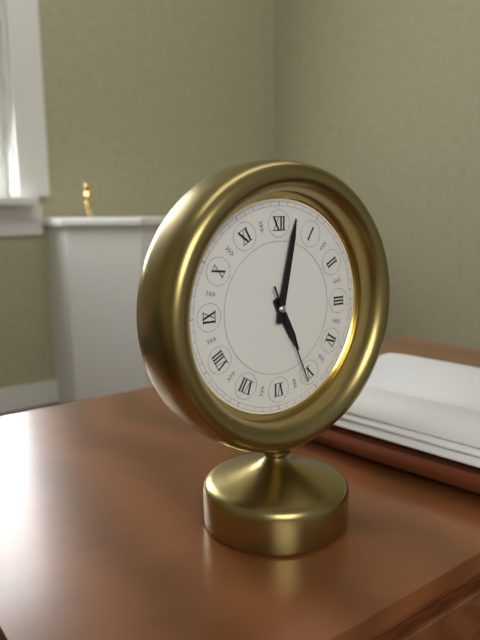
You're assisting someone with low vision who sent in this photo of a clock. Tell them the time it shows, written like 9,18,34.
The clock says 5,02,26
